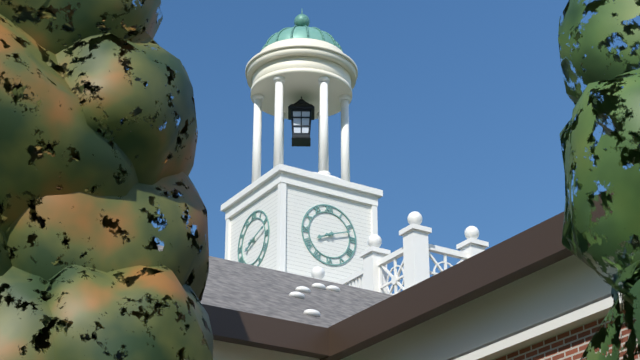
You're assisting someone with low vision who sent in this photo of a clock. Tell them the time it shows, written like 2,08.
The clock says 8,12
